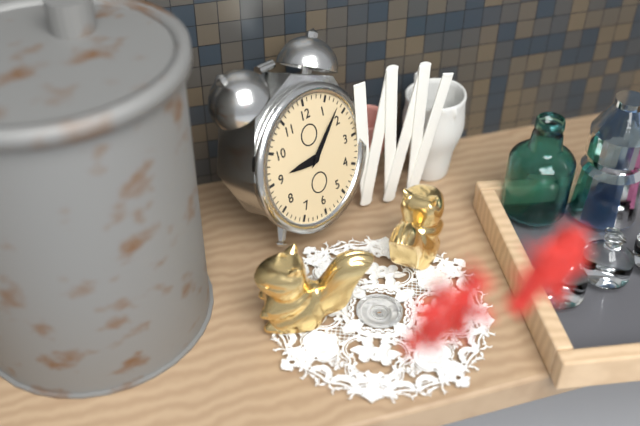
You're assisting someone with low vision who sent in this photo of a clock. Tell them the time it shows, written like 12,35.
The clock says 9,08
